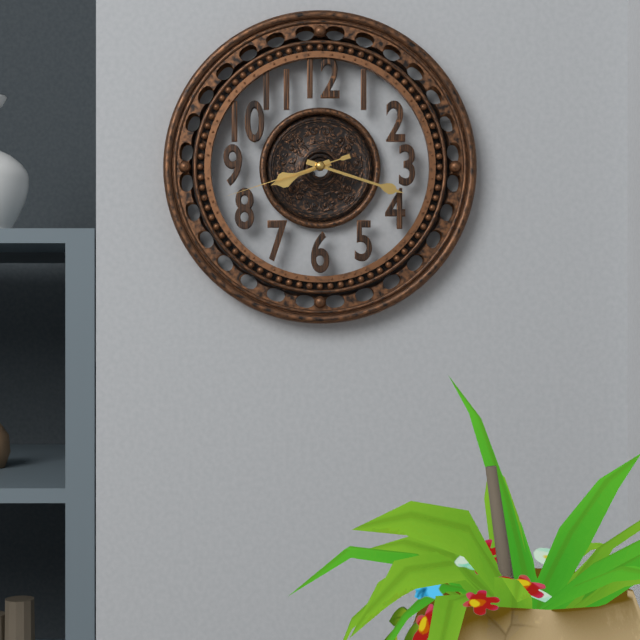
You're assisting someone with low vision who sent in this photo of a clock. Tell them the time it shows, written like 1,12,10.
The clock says 8,18,42
